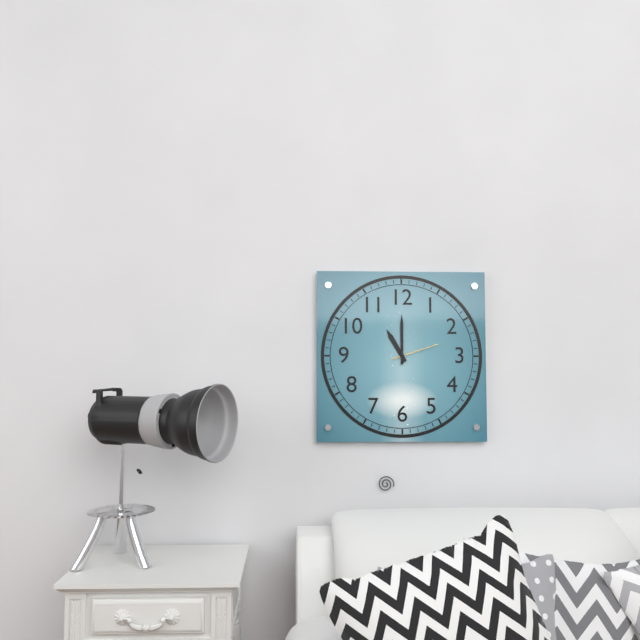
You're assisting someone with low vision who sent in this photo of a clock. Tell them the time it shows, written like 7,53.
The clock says 11,00
